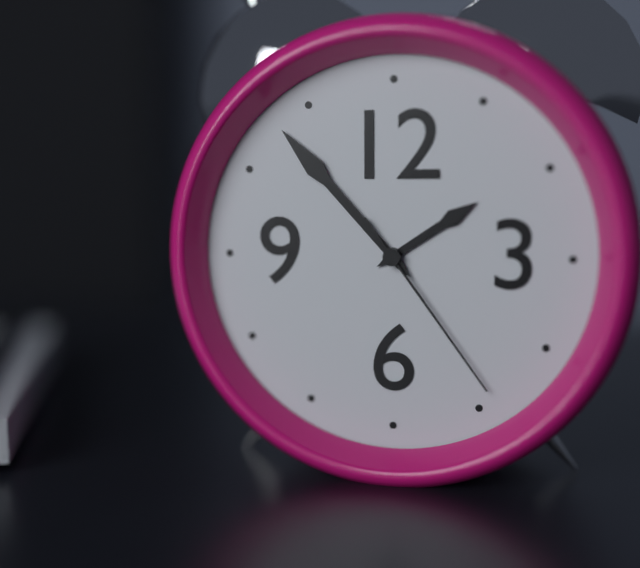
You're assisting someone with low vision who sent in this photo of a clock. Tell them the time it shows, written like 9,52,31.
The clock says 1,53,24
